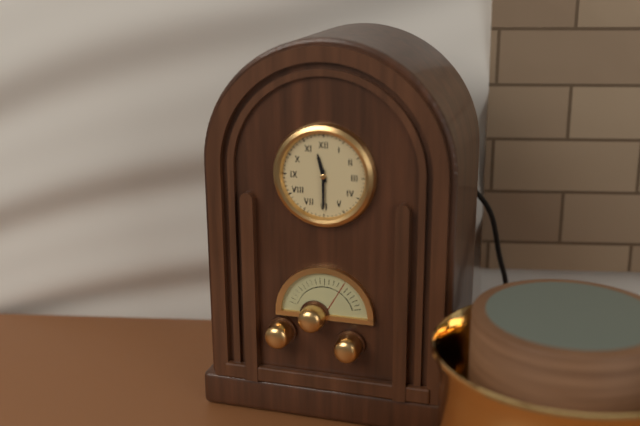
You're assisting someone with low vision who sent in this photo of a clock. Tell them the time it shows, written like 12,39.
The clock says 11,30
